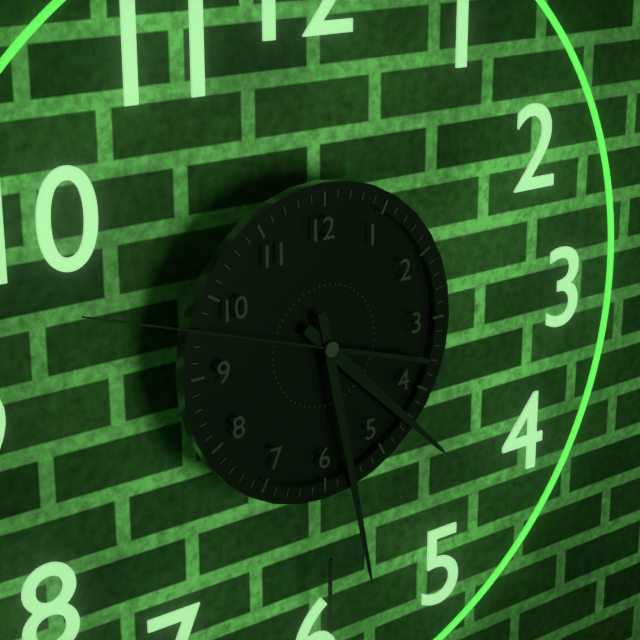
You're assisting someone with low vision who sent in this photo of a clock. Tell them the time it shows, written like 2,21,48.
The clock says 4,28,48
